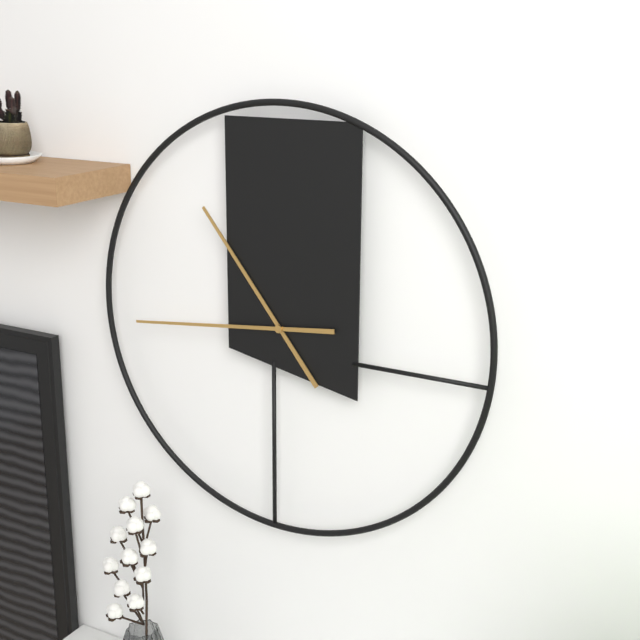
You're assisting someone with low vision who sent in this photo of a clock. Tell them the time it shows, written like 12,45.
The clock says 10,44
